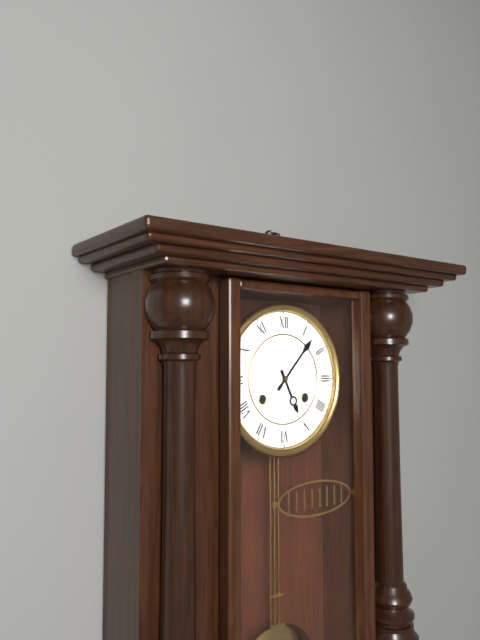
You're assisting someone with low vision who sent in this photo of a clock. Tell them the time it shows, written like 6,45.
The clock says 5,07
